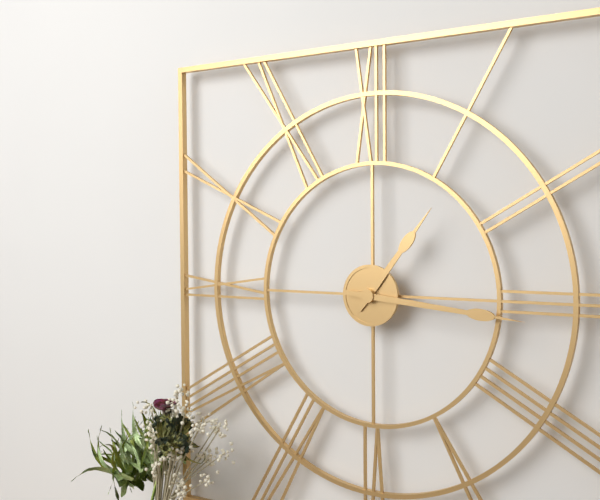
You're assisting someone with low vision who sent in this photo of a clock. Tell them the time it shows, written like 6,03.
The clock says 1,16
